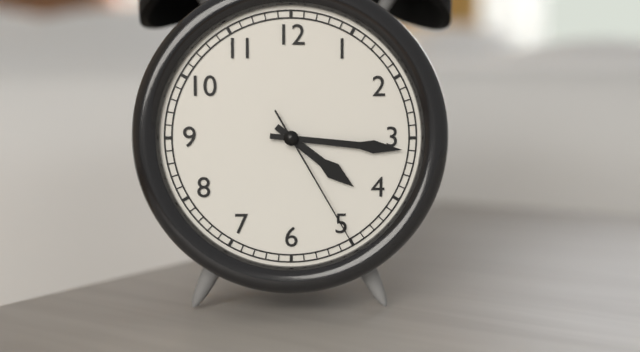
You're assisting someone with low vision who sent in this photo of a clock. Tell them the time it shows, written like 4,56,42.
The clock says 4,16,25
